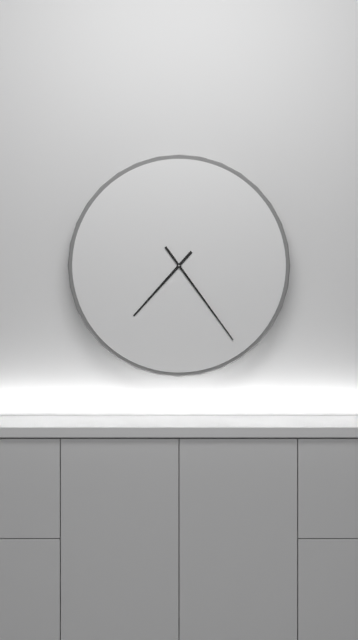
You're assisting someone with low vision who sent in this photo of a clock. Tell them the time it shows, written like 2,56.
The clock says 7,24
